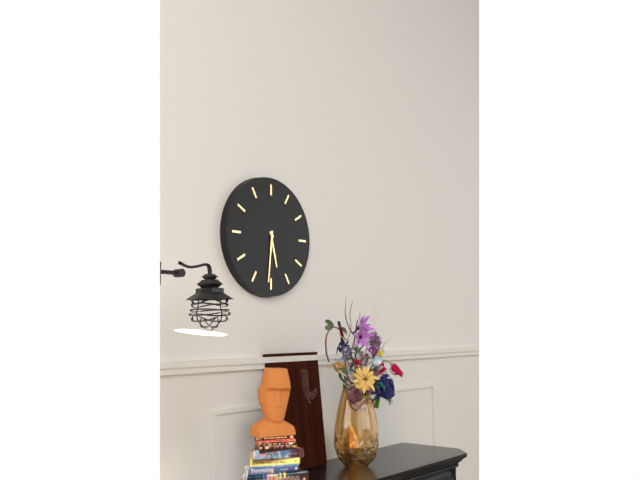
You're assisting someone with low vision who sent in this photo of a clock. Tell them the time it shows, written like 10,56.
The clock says 5,31
